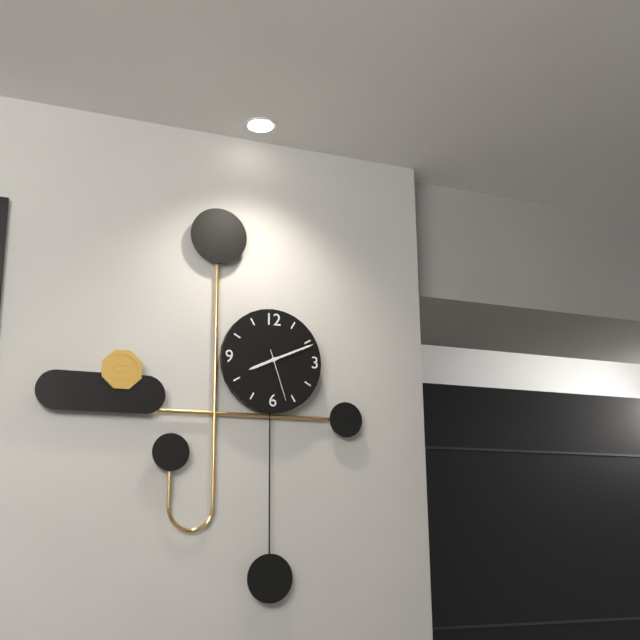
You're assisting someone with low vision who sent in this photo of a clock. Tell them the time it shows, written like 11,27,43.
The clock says 8,11,27
